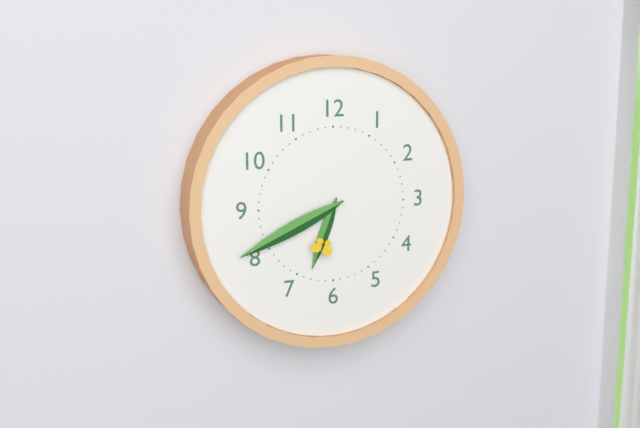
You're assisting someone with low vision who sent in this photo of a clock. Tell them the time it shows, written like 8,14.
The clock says 6,41
